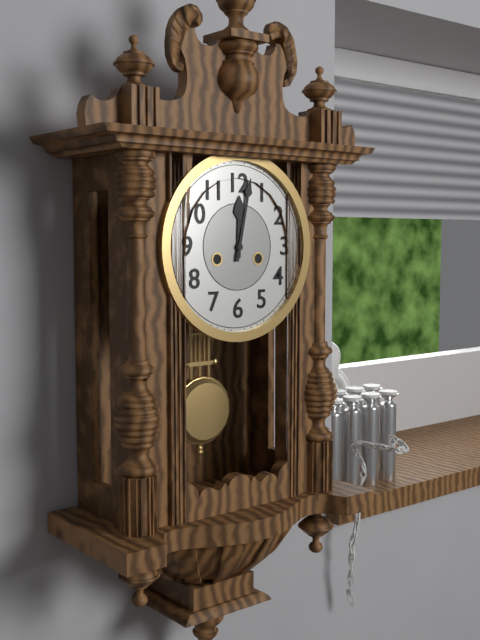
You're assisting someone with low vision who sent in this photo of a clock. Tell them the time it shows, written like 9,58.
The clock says 12,02
